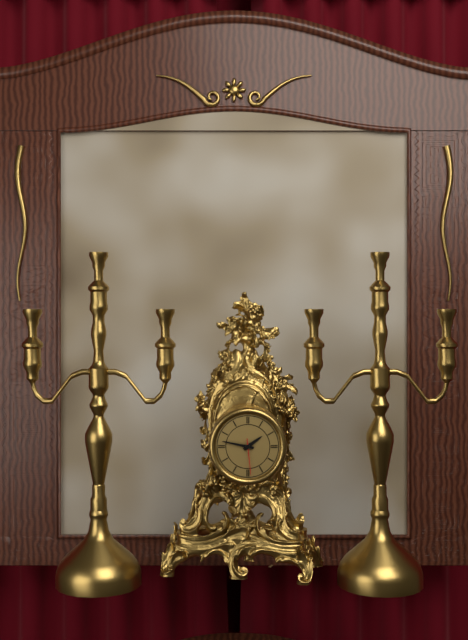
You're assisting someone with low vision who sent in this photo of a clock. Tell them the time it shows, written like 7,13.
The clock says 1,47
